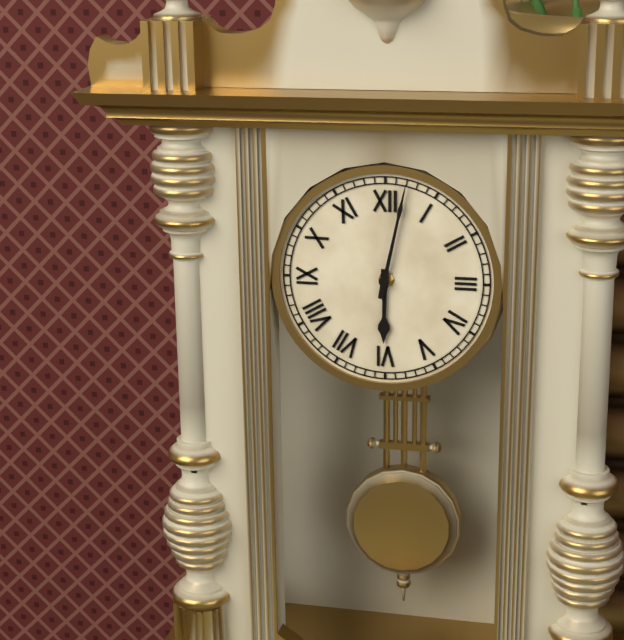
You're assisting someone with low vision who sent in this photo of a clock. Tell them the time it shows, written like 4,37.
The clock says 6,02
